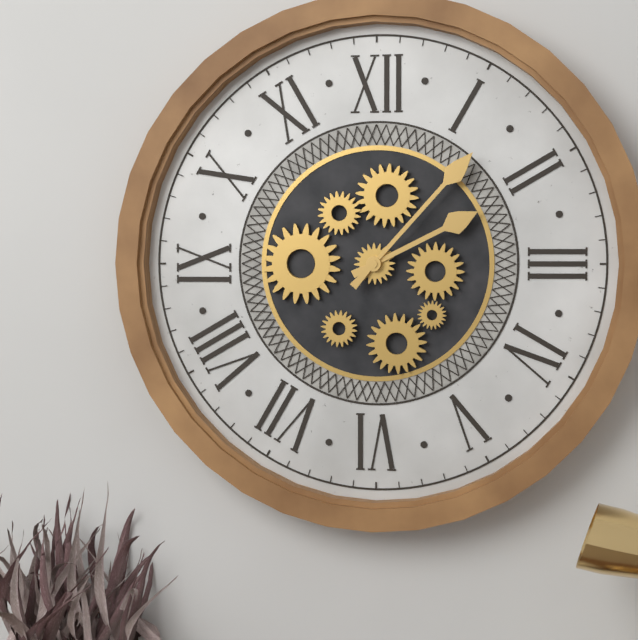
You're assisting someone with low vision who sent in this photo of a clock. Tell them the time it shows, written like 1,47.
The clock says 2,07
